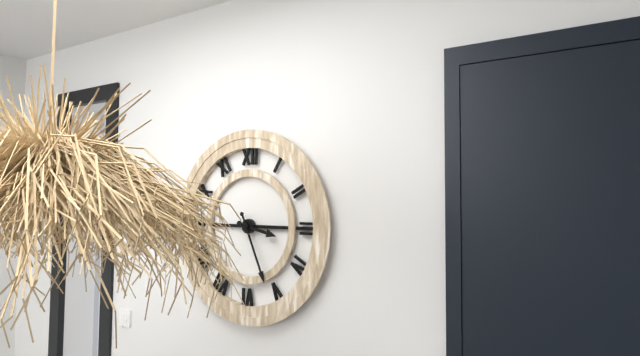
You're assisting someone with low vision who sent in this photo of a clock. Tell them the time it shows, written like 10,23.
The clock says 3,26
